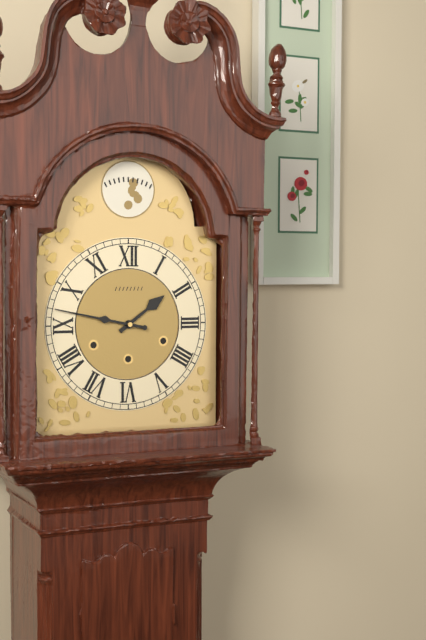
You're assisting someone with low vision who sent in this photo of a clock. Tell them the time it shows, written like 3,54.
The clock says 1,47
